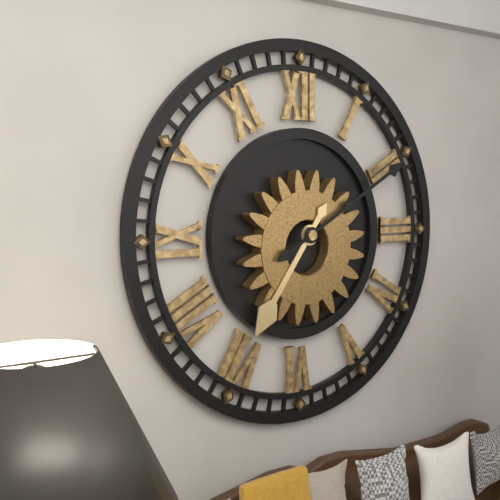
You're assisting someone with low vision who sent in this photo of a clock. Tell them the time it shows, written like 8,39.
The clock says 7,10
